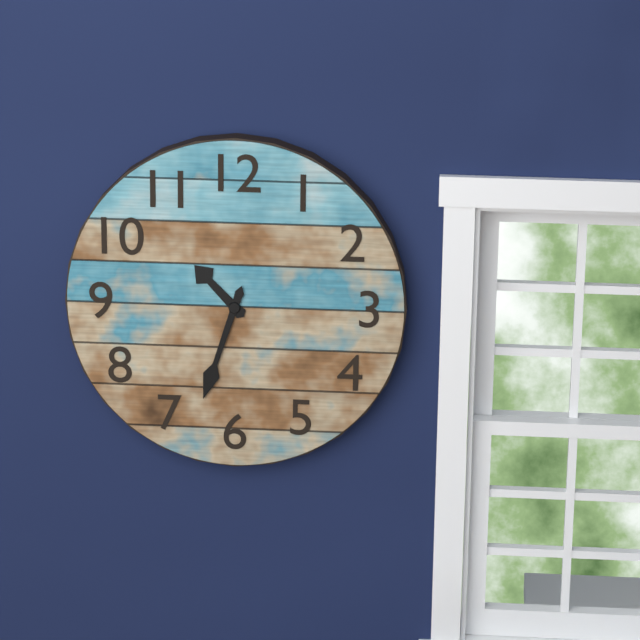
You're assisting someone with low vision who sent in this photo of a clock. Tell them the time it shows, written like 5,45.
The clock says 10,33
